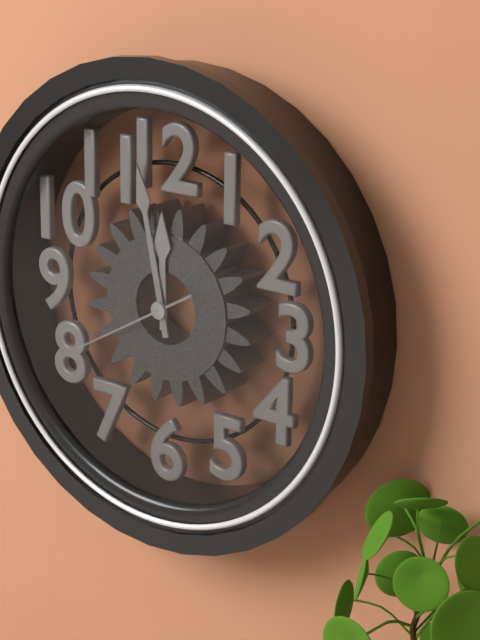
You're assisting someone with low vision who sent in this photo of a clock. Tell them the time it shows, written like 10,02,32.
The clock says 11,58,40
